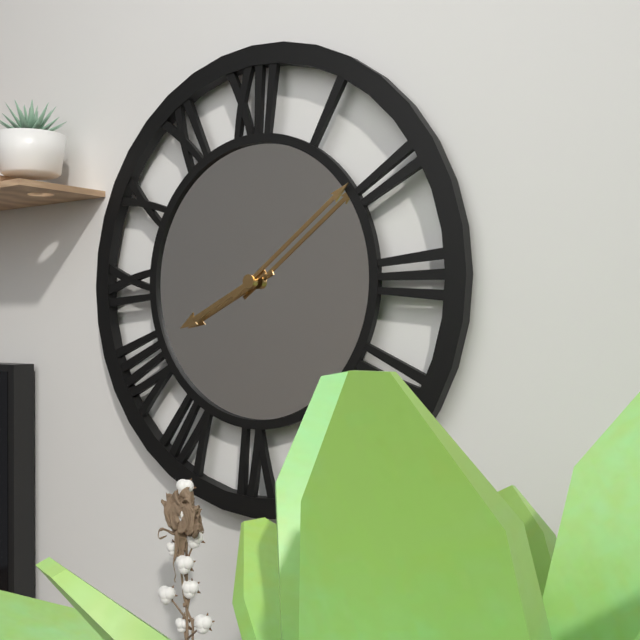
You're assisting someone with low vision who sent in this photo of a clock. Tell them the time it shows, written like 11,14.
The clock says 8,09
